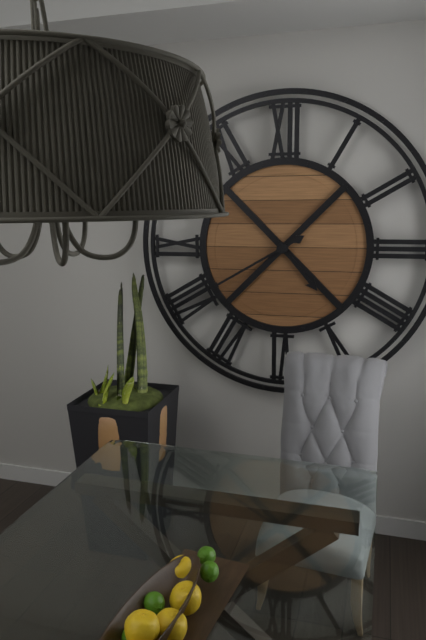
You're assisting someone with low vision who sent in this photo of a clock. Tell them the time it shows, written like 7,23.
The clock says 4,40
